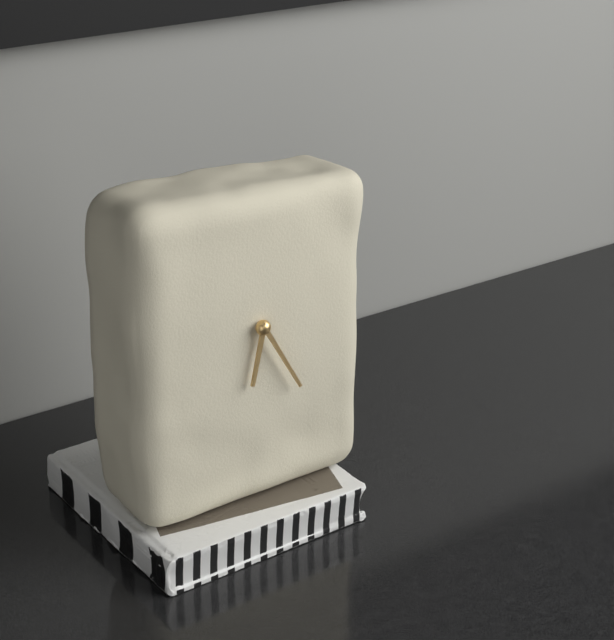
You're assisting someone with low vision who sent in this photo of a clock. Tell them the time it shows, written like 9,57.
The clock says 6,25
